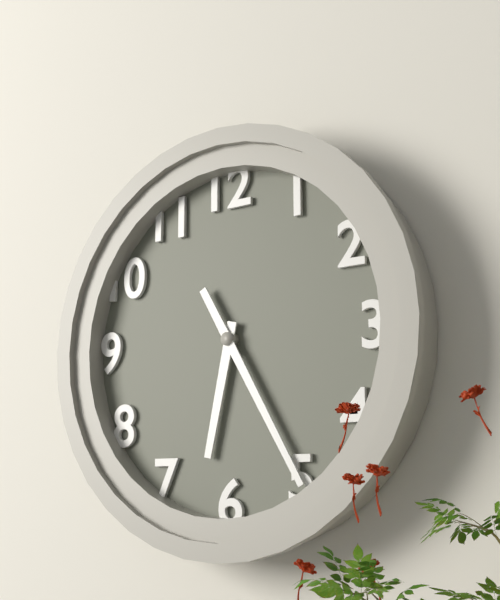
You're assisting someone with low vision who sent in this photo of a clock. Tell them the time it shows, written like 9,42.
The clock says 6,25
